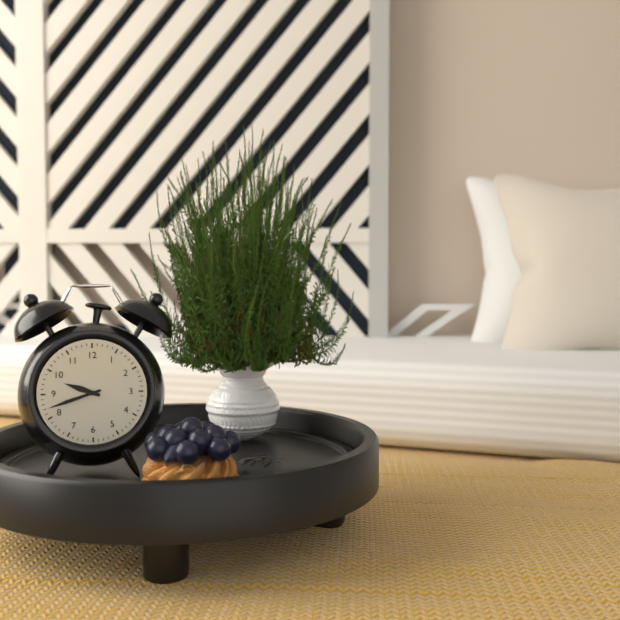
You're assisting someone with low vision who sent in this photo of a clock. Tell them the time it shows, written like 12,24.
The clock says 9,42
